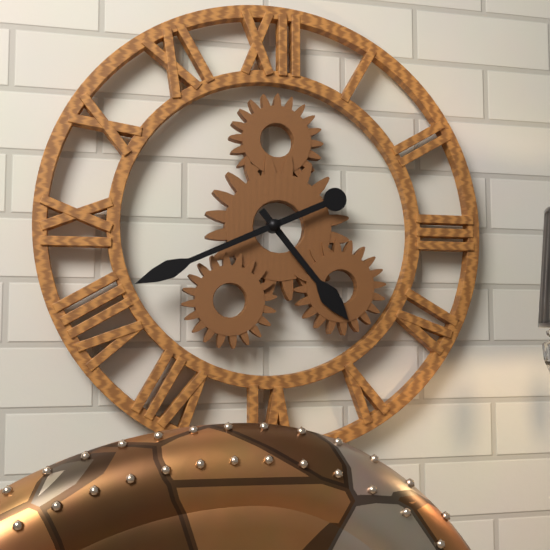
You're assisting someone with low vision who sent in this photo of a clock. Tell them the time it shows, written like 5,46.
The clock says 4,41
